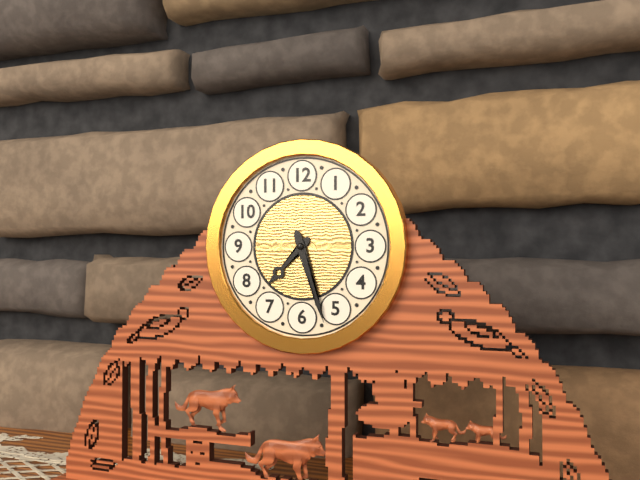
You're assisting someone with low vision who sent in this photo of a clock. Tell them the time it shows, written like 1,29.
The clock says 7,27
